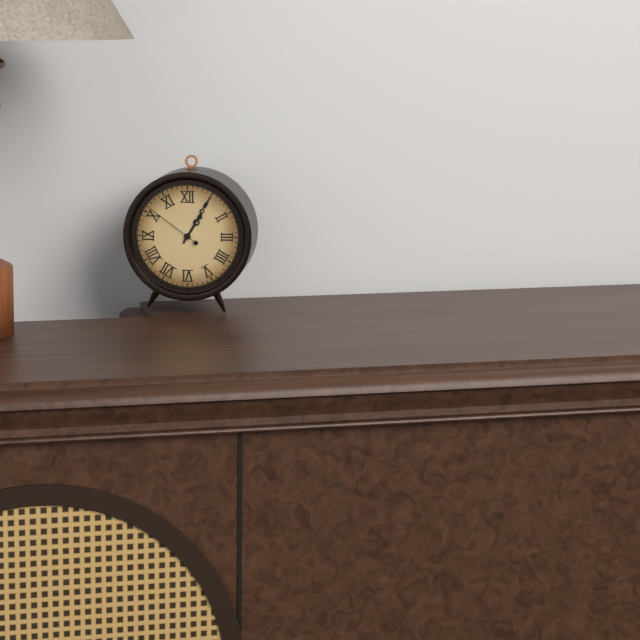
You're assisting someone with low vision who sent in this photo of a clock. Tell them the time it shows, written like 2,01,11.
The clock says 1,05,51
